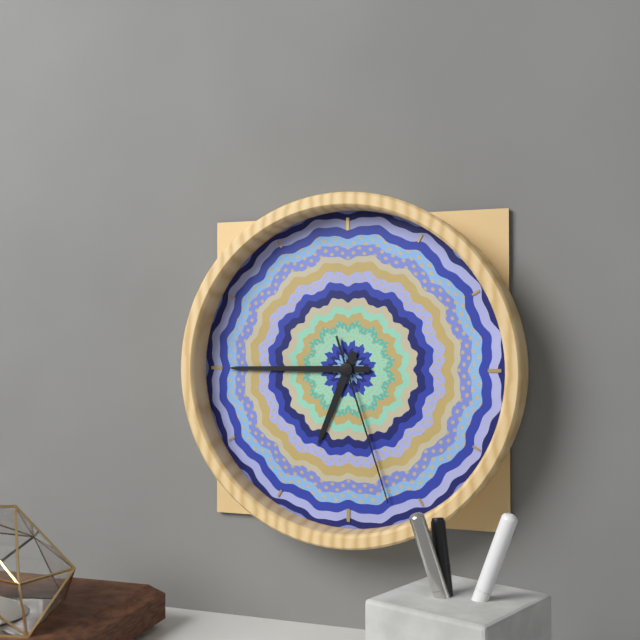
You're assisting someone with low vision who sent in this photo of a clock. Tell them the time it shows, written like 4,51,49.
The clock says 6,45,27
